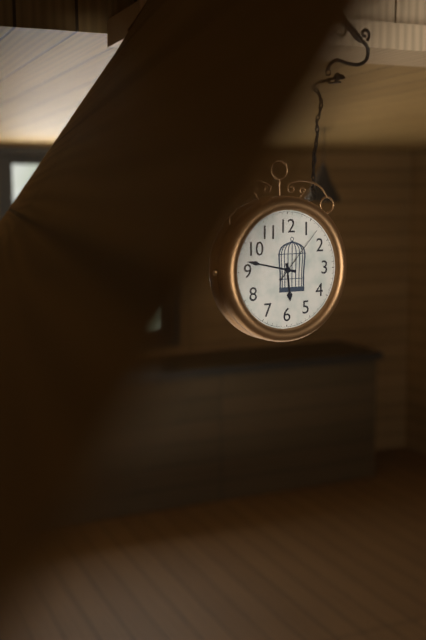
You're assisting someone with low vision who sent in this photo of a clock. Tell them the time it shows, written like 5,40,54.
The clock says 5,47,07
